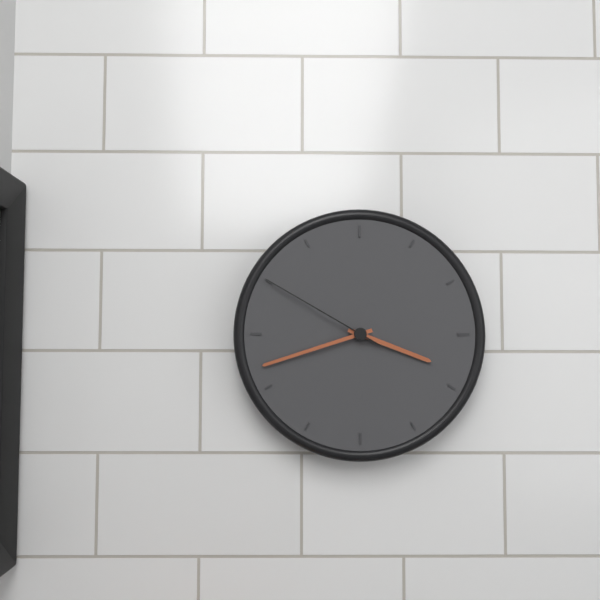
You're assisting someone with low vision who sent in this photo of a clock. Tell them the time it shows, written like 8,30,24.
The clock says 3,42,50
